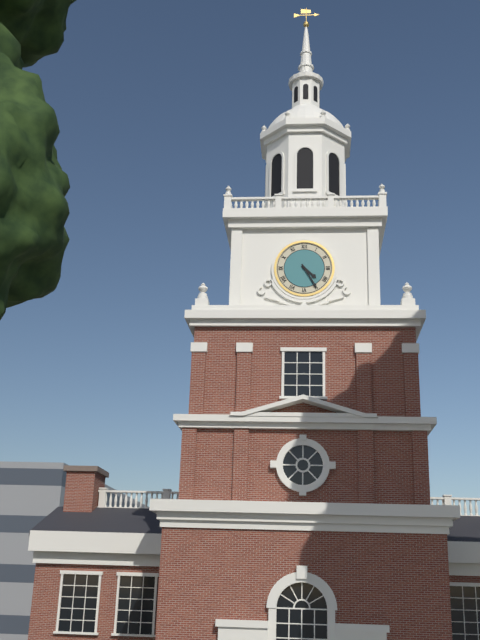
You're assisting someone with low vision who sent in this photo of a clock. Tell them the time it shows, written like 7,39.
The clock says 4,25
